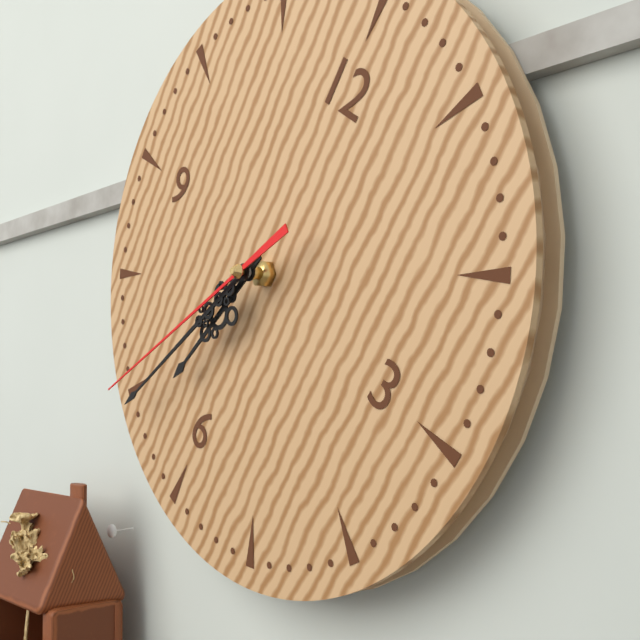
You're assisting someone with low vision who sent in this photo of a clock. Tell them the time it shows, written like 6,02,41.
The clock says 6,34,35
